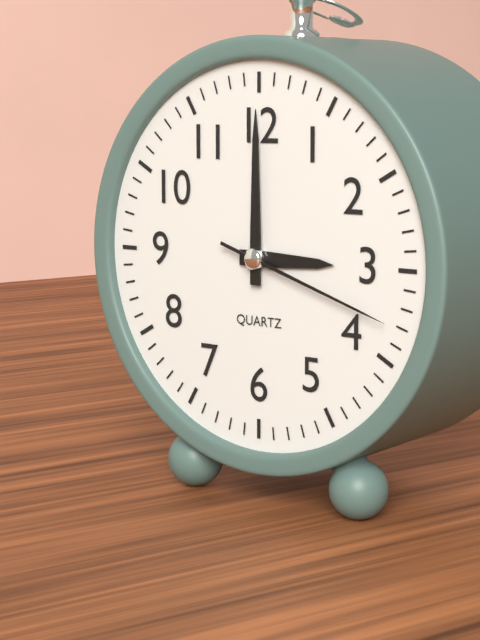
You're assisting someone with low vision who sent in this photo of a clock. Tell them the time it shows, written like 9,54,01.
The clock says 3,00,18
